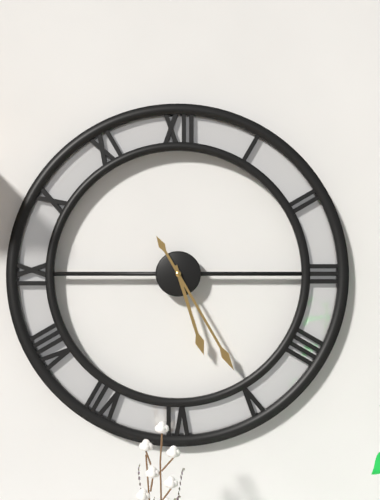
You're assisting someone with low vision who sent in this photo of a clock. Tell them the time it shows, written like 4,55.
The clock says 5,25
